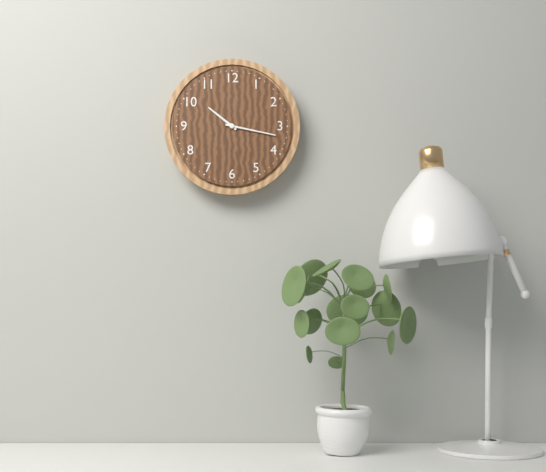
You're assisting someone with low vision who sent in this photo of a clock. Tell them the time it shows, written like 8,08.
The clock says 10,17
